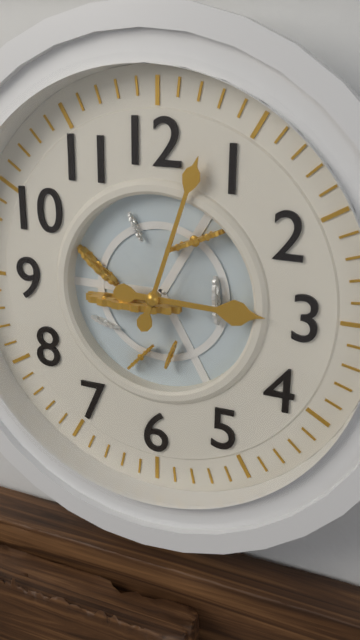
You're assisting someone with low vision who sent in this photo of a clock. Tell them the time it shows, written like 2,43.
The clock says 3,03
